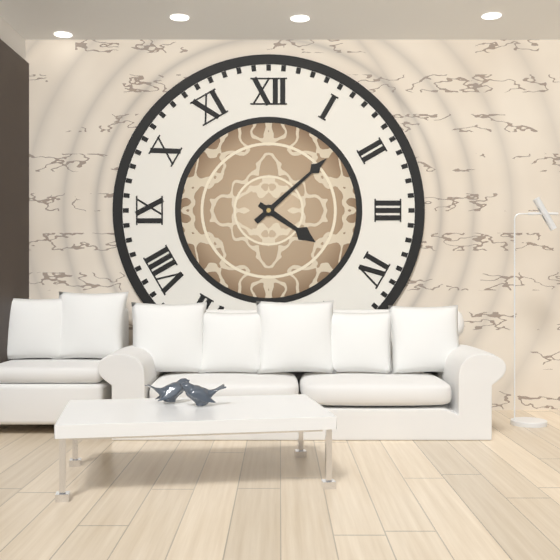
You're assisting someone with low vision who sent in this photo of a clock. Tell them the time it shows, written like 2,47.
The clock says 4,08
